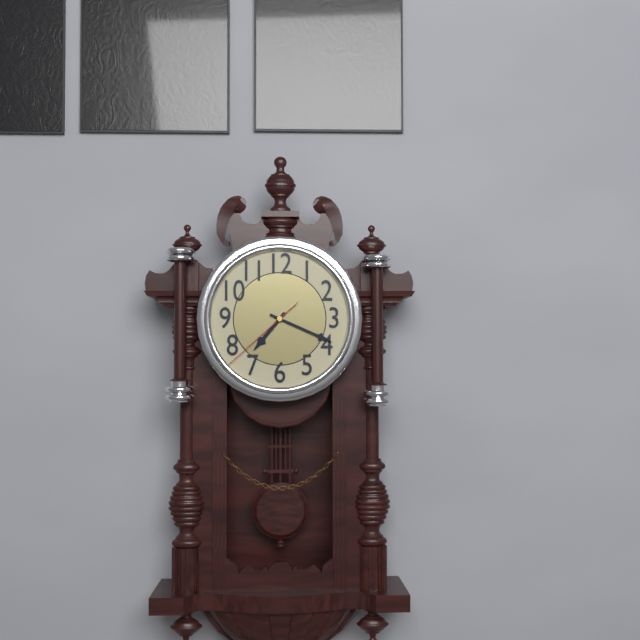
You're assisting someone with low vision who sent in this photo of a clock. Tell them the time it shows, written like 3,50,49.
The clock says 7,19,38
